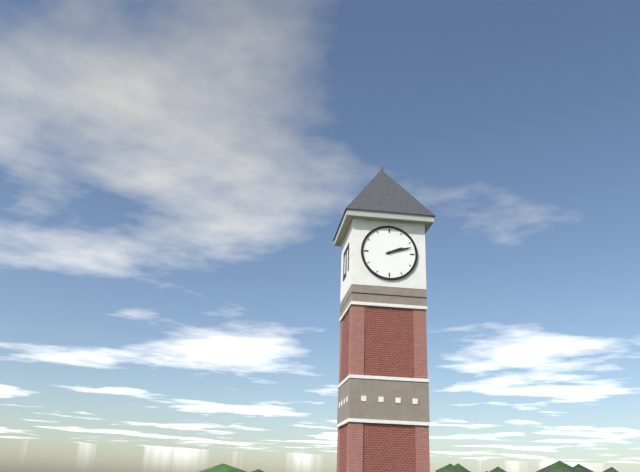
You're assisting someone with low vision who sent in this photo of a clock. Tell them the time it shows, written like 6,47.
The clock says 2,12
